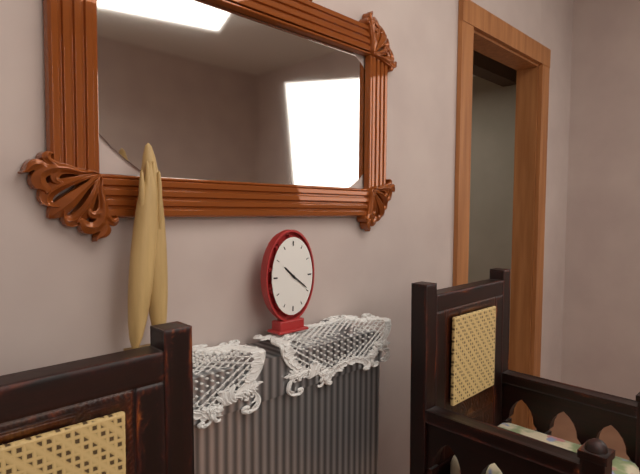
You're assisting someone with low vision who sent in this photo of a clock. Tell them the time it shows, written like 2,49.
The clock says 10,21
